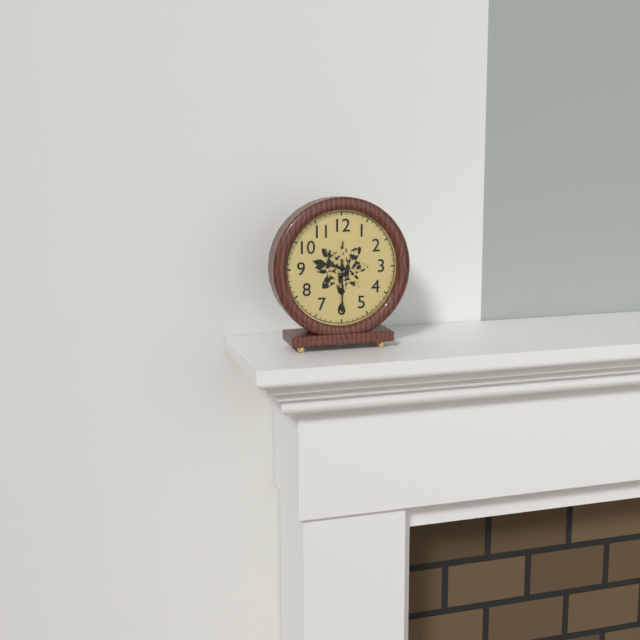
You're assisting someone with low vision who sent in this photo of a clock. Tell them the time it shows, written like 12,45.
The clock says 9,30
